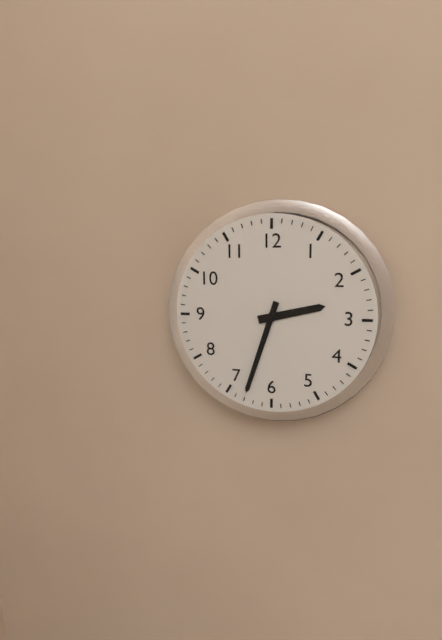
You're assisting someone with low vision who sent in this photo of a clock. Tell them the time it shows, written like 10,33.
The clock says 2,33
